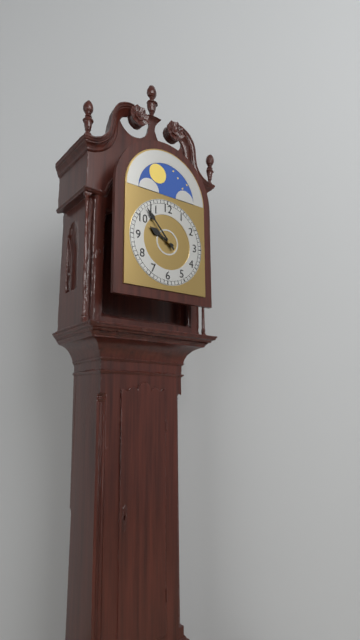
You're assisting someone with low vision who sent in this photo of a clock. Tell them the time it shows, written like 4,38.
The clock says 9,53
